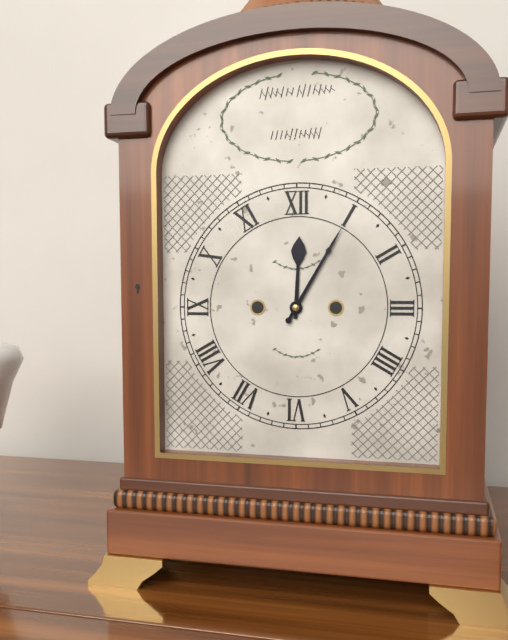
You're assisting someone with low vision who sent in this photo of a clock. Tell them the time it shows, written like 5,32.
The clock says 12,05
